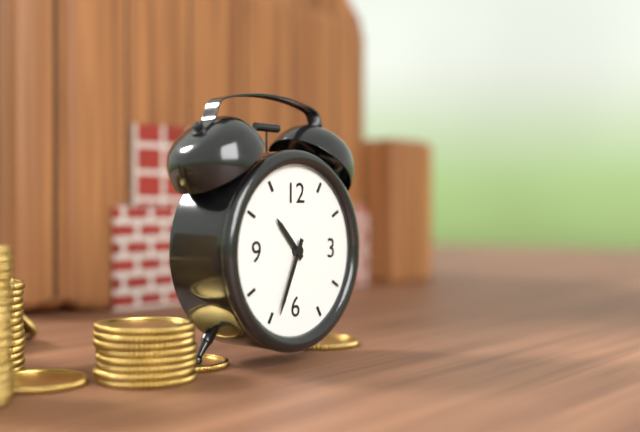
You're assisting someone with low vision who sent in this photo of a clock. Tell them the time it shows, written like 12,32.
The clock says 10,34
